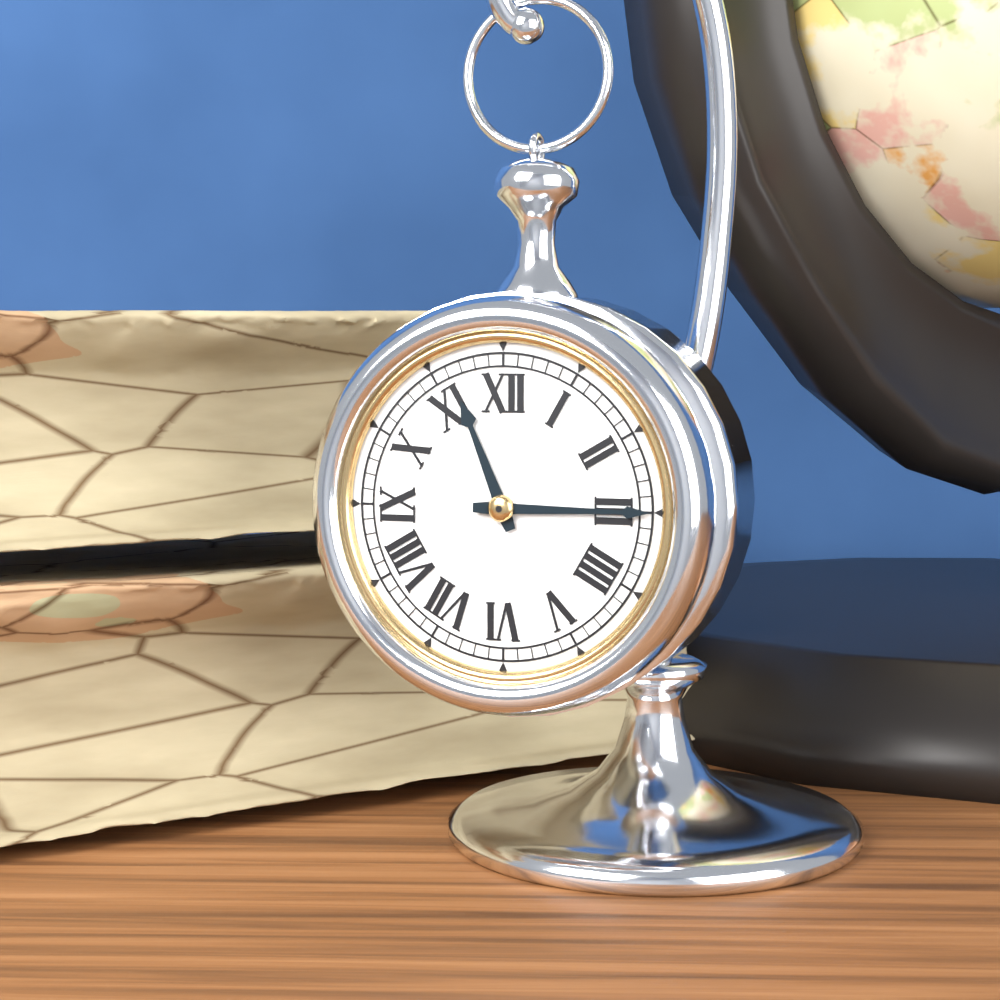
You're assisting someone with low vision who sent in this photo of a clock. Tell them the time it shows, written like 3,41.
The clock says 11,15
